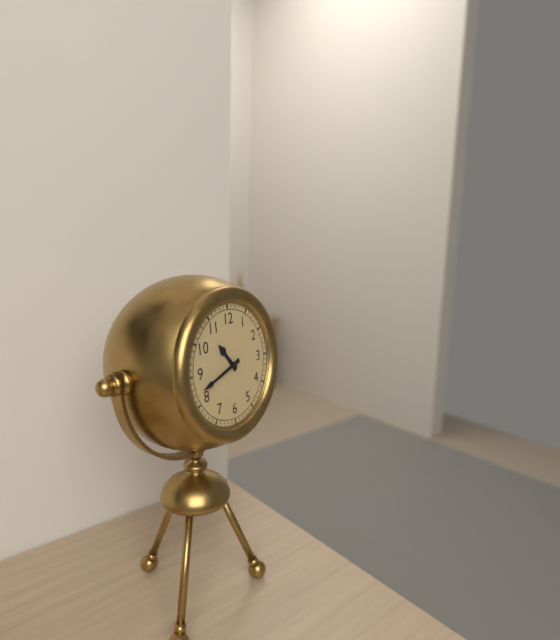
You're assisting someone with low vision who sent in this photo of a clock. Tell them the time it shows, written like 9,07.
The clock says 10,42
